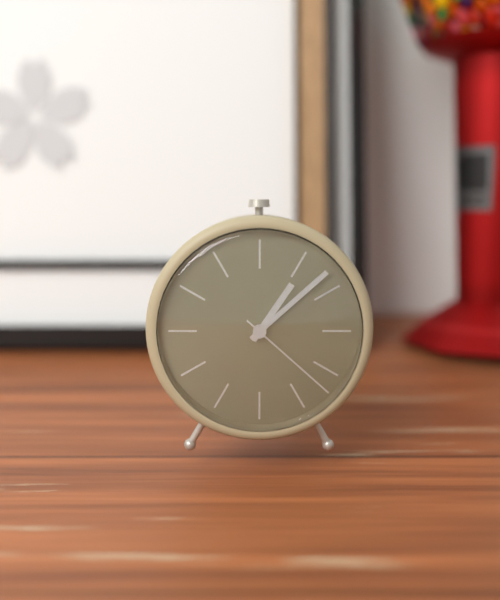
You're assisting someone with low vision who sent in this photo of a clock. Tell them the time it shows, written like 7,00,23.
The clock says 1,08,22
